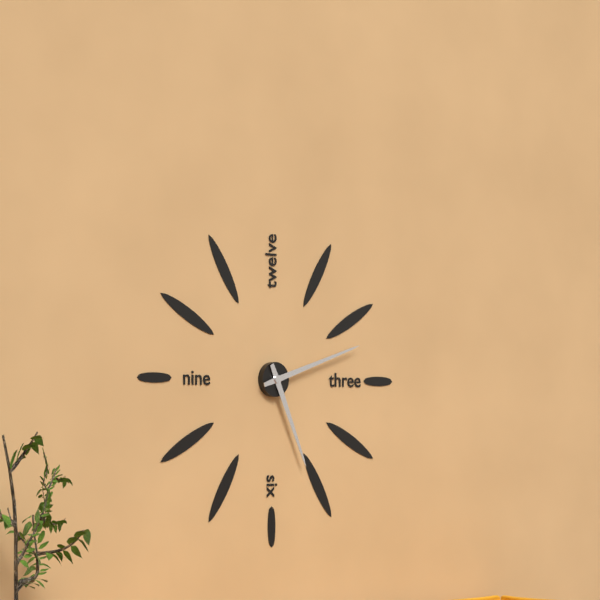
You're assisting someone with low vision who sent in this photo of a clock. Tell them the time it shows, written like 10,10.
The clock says 5,12
